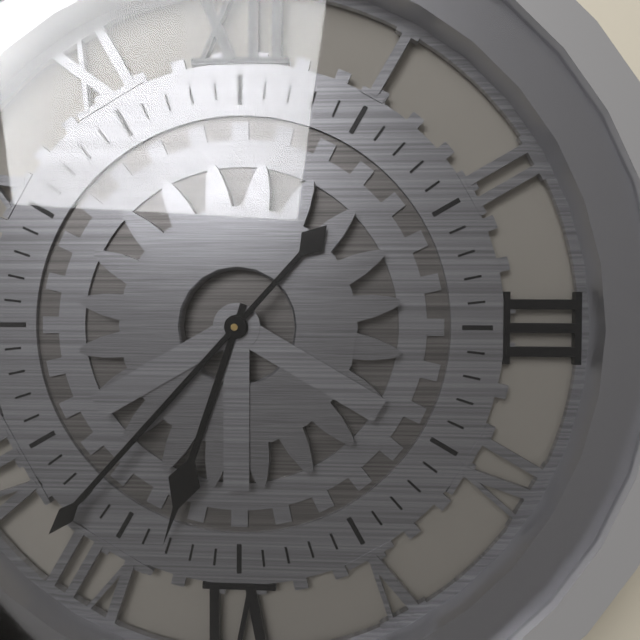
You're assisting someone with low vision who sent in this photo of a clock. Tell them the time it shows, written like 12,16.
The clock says 6,37
